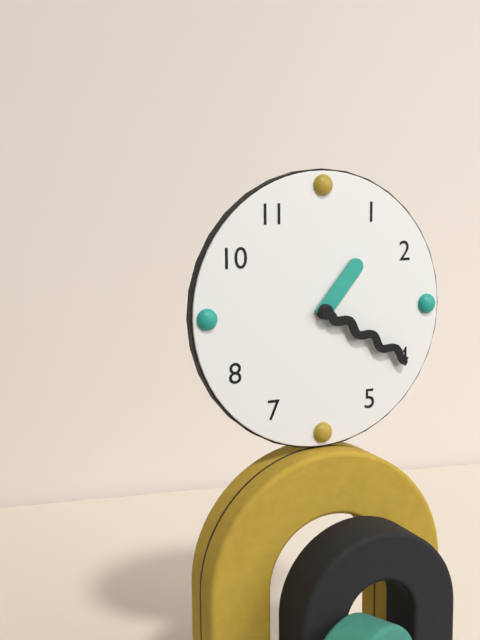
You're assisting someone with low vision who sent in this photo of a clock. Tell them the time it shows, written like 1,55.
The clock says 1,20
